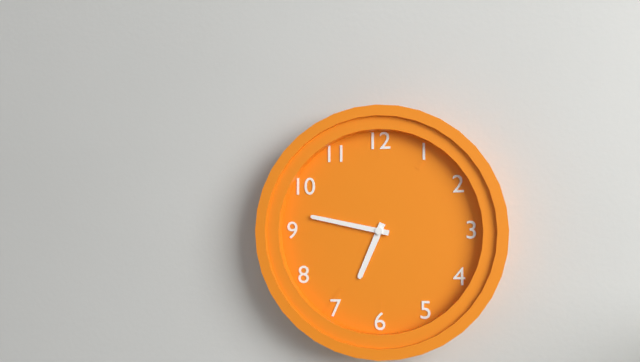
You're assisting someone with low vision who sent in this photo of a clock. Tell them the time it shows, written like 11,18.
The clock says 6,47
